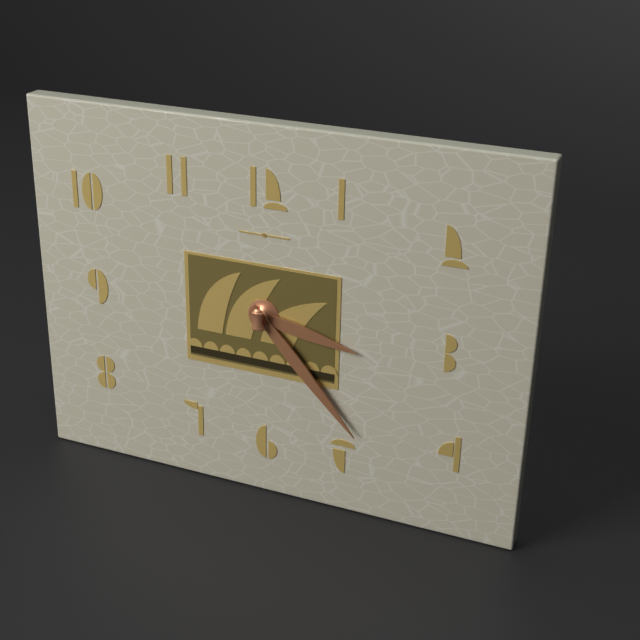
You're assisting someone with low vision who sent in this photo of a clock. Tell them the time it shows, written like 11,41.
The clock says 3,23
